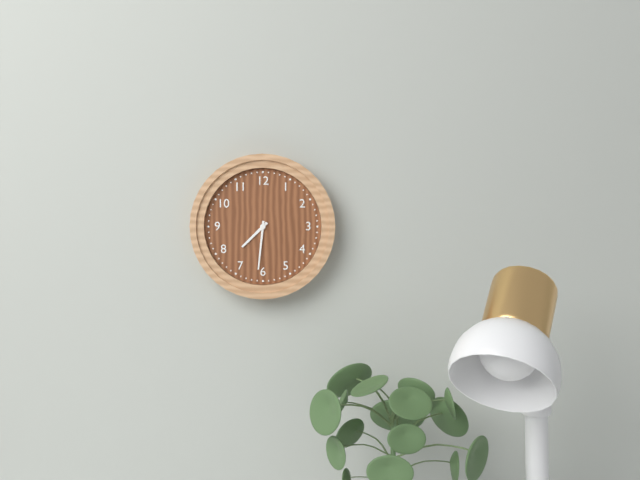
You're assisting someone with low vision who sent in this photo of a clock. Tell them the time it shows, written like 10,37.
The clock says 7,31
